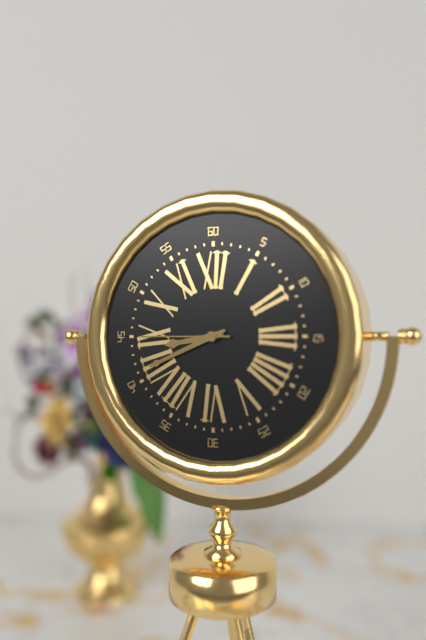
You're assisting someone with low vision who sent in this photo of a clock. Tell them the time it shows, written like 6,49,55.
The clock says 8,41,45
